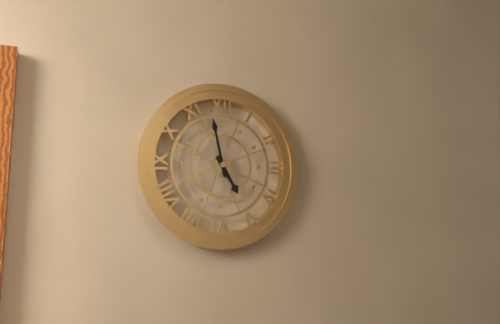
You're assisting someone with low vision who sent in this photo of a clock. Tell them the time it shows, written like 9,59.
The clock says 4,58
